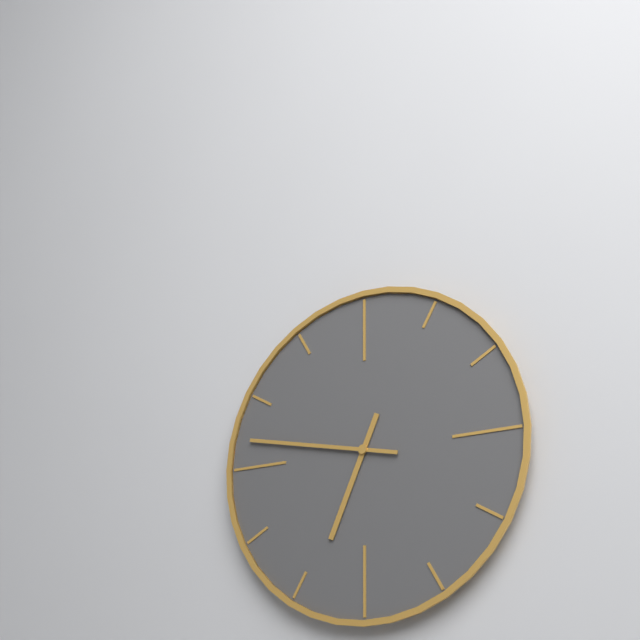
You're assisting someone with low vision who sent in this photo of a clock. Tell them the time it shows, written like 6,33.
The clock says 6,47
